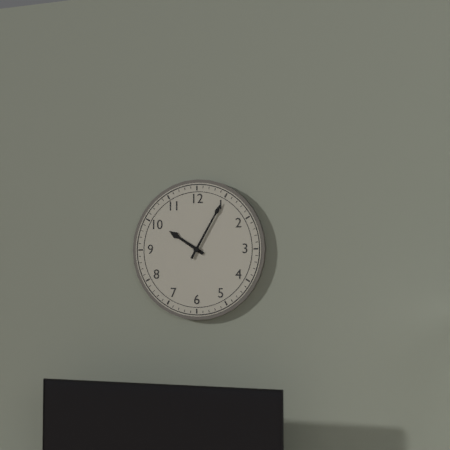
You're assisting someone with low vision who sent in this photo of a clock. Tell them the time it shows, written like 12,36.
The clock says 10,05
